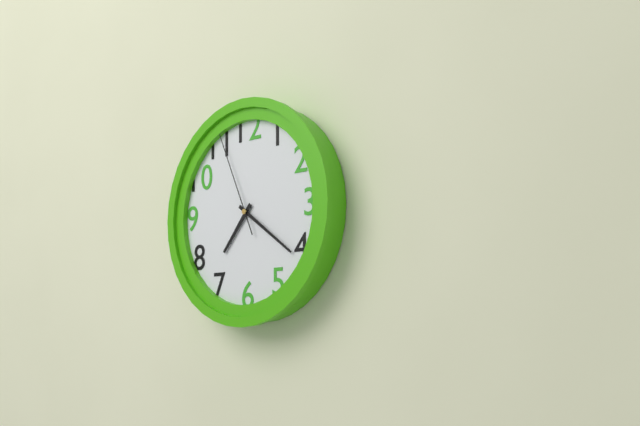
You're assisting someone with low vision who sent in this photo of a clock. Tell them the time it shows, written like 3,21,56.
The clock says 7,21,56
